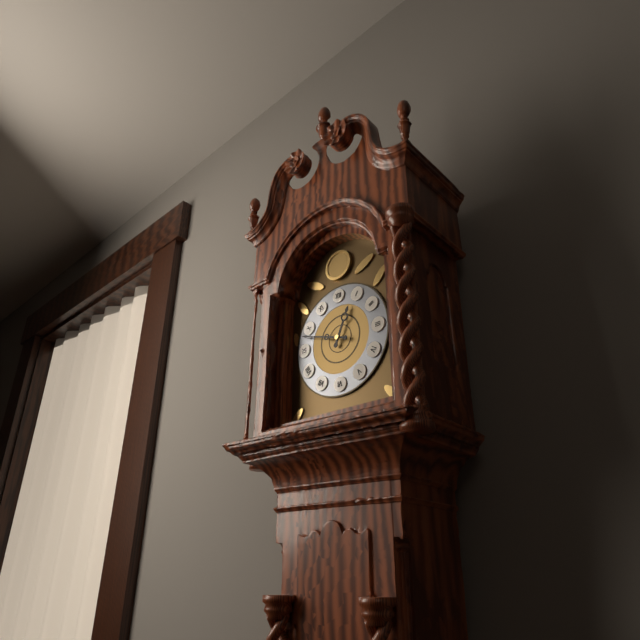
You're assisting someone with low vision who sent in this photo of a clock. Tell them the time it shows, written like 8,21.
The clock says 12,48
